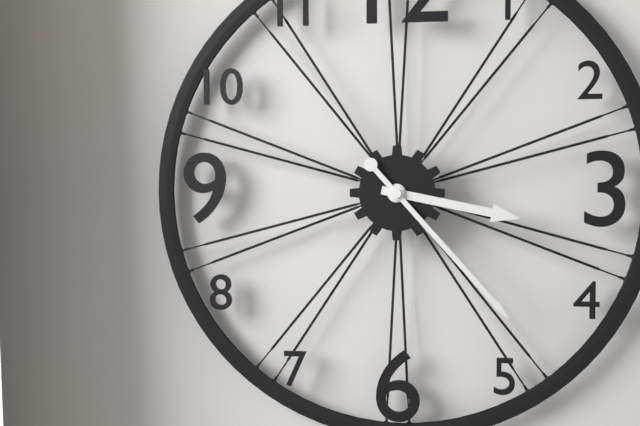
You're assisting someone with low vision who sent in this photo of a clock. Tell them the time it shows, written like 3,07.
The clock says 3,23
